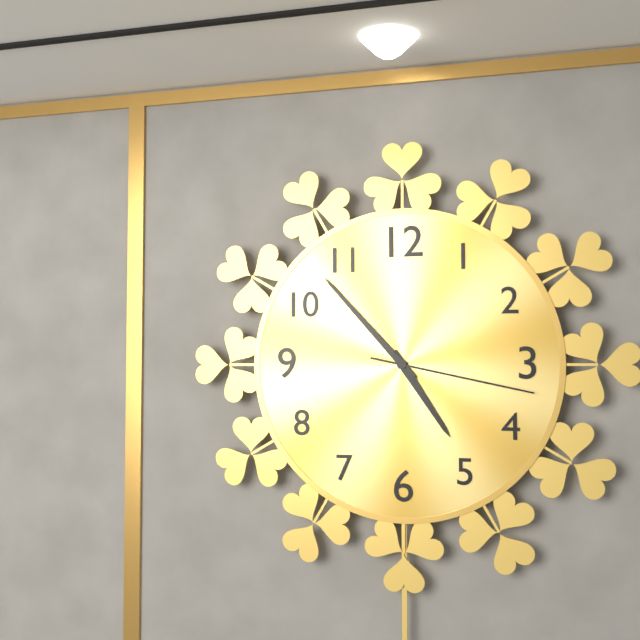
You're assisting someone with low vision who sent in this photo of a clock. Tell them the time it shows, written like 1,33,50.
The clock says 4,53,17
